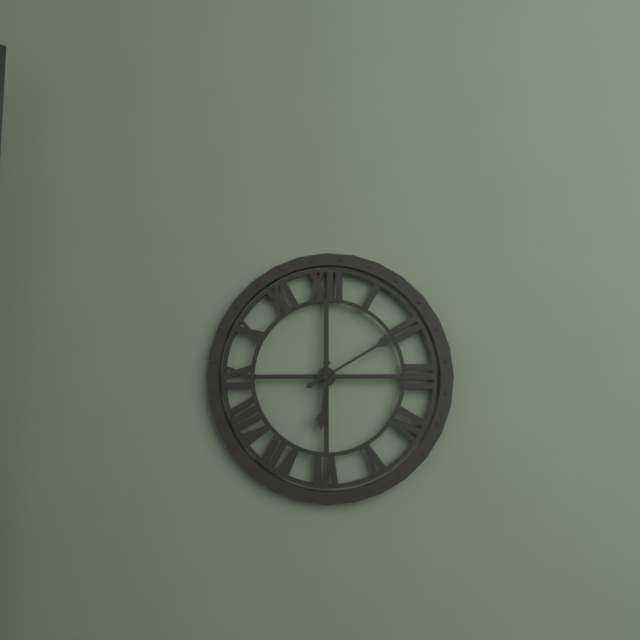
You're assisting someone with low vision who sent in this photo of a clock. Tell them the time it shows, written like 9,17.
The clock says 6,10
